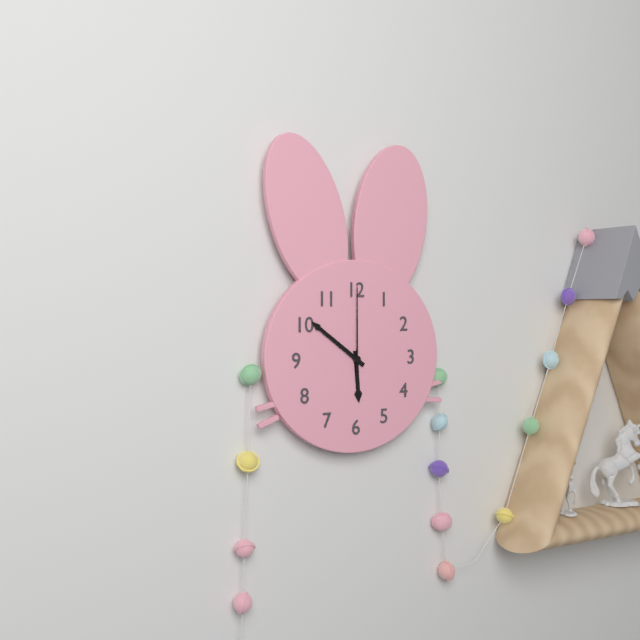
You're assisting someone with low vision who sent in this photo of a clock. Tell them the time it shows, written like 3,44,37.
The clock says 5,51,00
